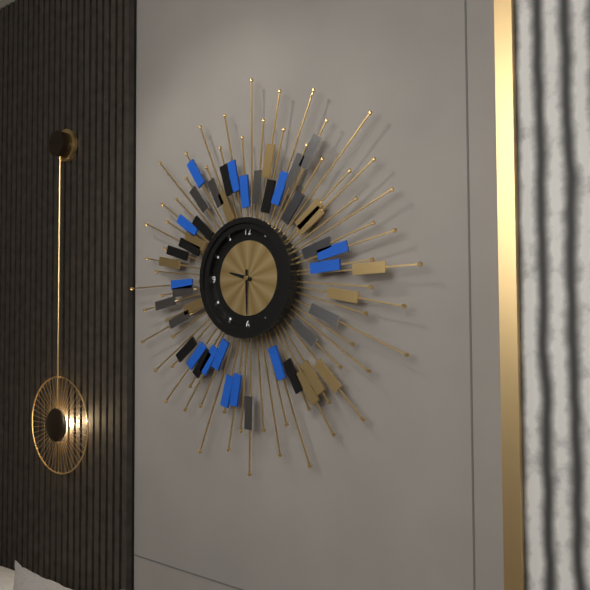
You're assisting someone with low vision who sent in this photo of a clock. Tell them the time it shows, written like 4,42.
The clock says 9,30
